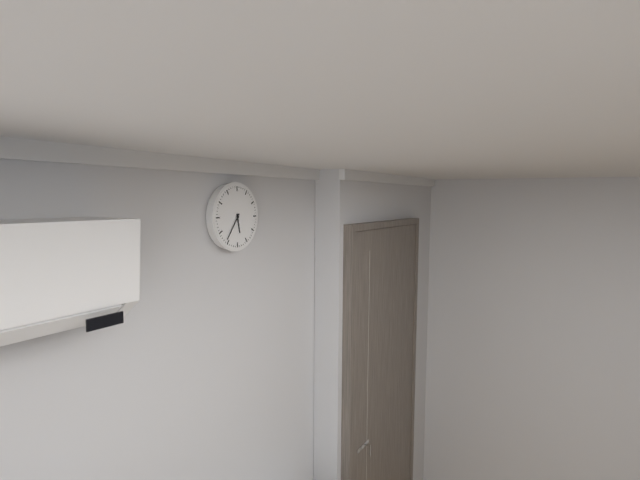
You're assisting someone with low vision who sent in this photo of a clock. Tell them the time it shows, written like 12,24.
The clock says 5,36
